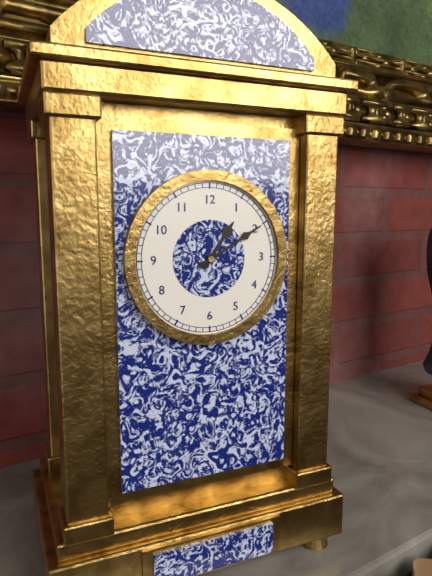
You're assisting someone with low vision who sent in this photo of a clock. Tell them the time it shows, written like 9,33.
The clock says 1,10
